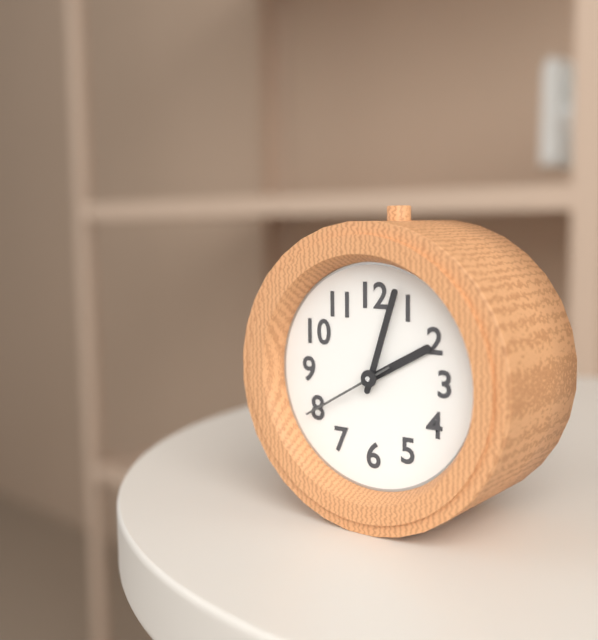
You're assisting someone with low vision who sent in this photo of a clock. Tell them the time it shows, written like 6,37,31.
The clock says 2,03,40
